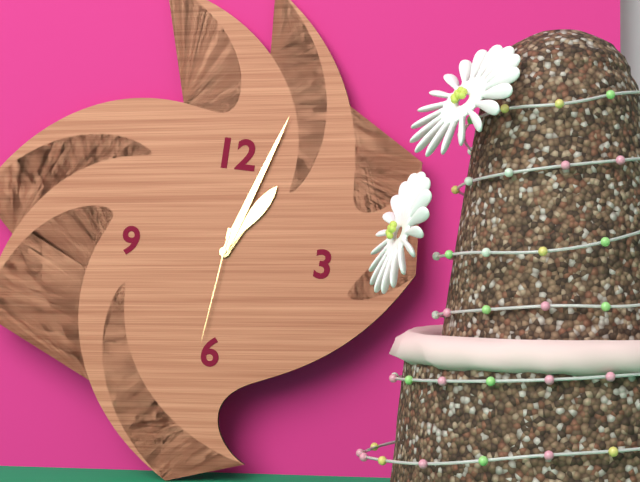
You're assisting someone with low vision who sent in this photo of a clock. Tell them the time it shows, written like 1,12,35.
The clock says 1,03,31
